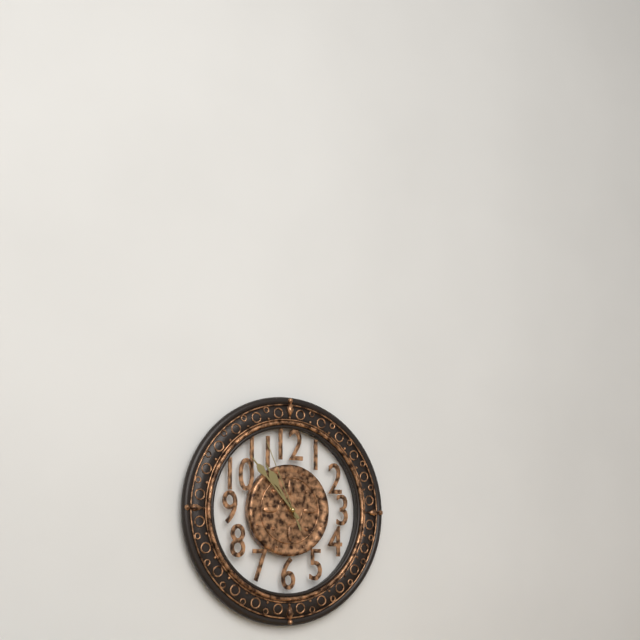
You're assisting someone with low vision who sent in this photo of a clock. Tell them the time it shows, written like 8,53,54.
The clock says 10,53,56
